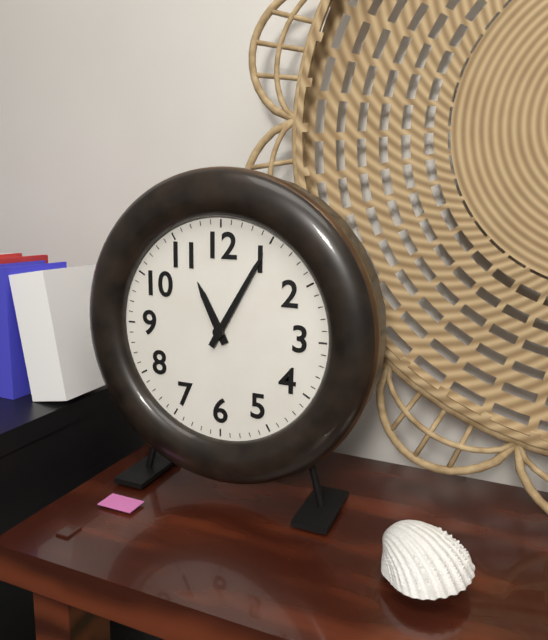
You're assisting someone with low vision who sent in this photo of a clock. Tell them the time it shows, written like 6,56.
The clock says 11,05
